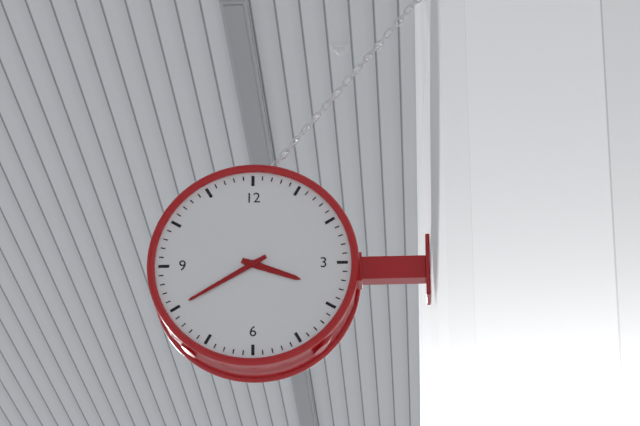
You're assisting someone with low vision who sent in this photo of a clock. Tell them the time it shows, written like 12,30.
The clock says 3,40
